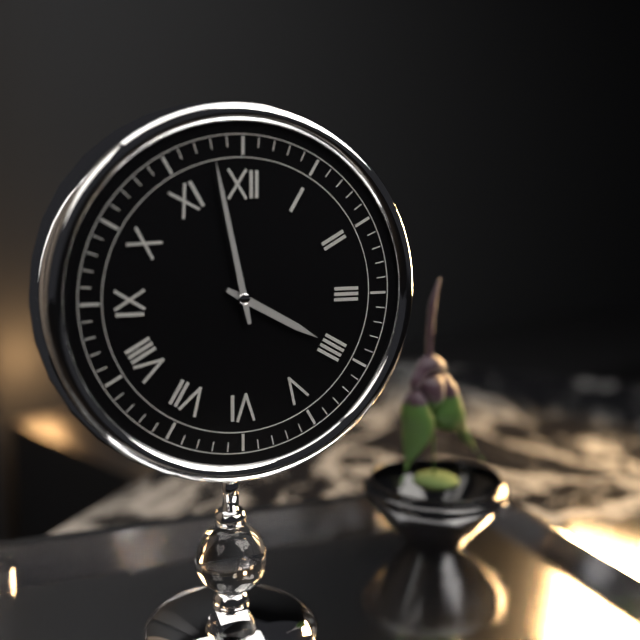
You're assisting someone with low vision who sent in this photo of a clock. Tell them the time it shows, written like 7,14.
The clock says 3,58
